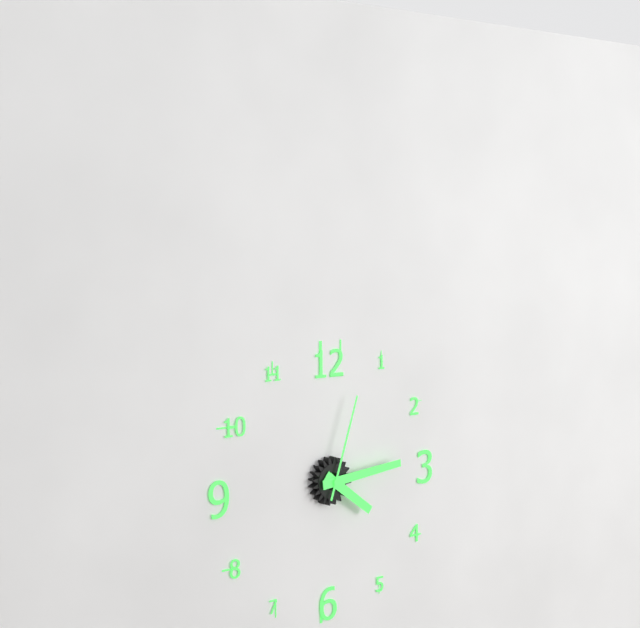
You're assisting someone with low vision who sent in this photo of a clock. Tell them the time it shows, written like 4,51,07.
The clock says 4,14,03
